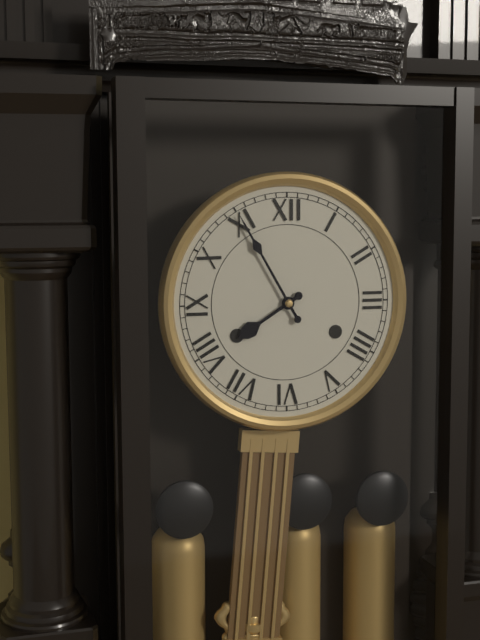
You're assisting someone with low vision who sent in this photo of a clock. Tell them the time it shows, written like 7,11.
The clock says 7,55
